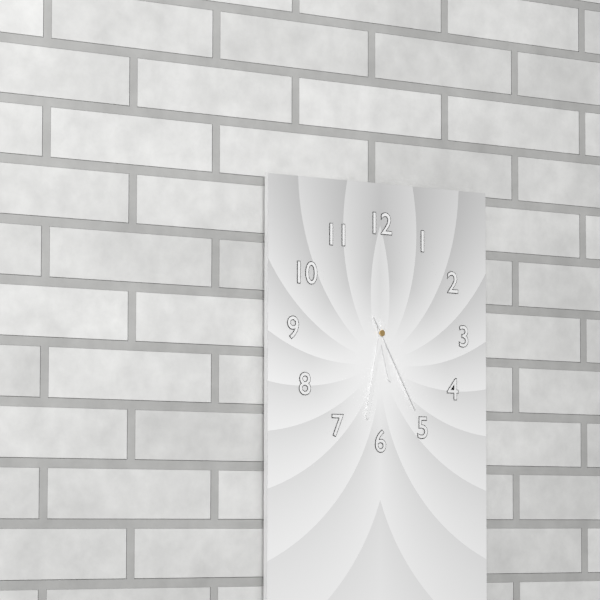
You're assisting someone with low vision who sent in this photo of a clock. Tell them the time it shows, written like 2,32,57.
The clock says 5,32,25
